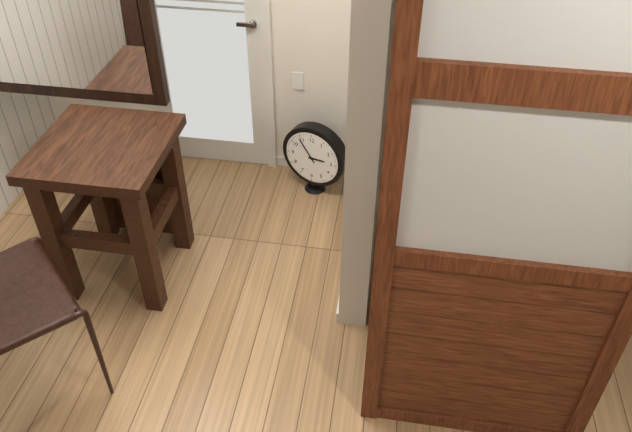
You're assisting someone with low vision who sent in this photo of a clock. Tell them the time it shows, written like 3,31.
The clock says 2,54
